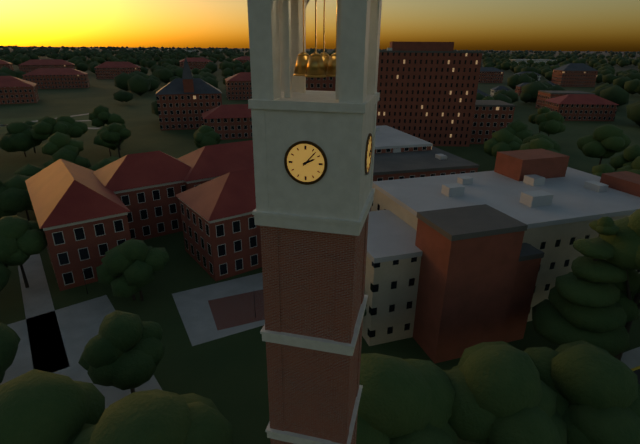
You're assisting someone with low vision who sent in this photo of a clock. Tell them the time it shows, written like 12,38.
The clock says 2,07
